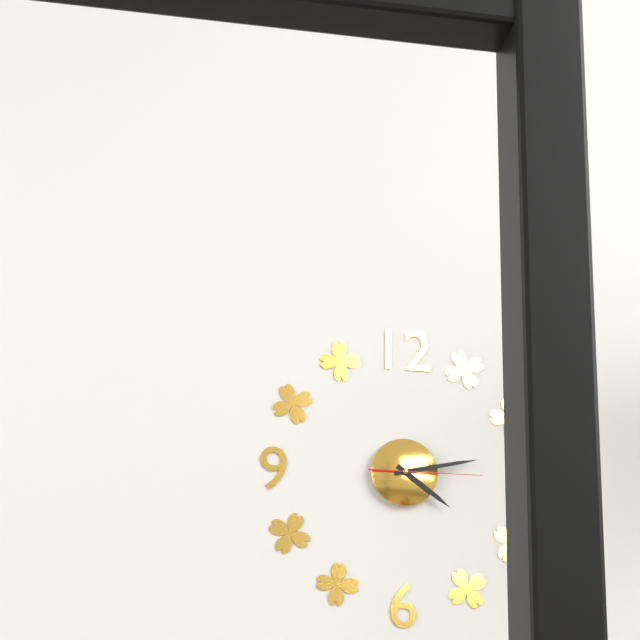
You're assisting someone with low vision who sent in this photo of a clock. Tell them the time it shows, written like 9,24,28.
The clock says 4,13,15
